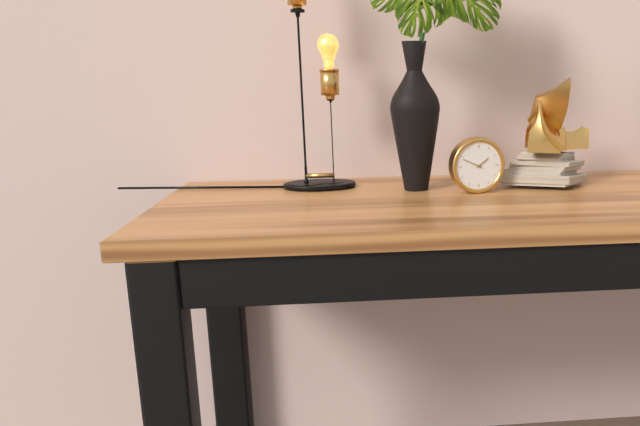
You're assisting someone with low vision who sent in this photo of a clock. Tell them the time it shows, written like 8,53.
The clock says 1,49
